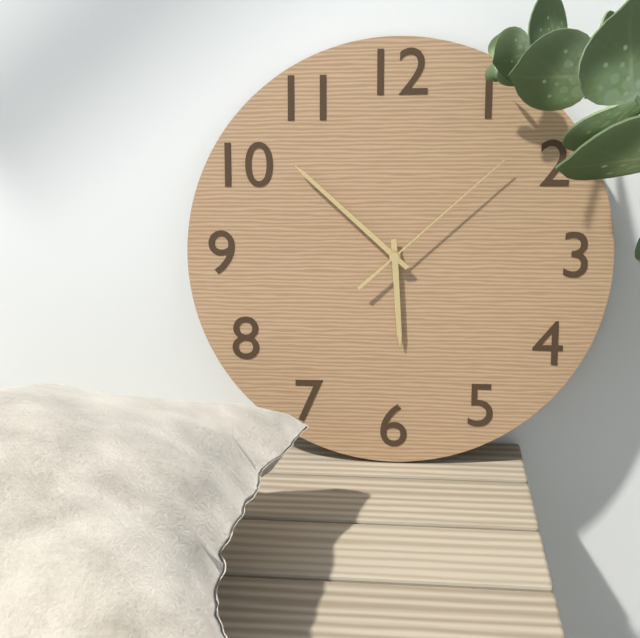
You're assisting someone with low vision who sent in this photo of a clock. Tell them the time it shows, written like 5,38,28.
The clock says 5,52,08
